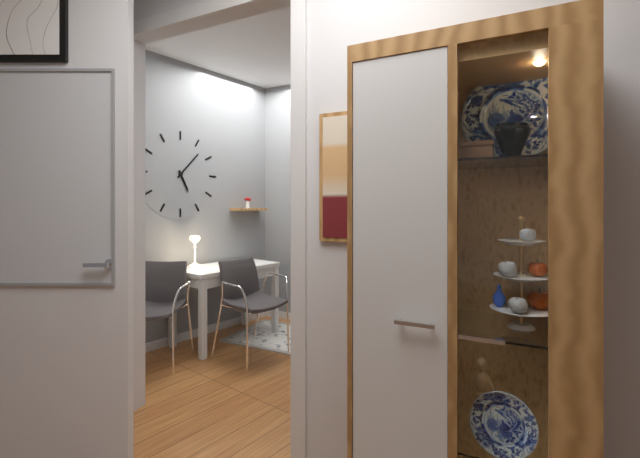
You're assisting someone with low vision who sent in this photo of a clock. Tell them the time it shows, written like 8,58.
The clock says 5,07
